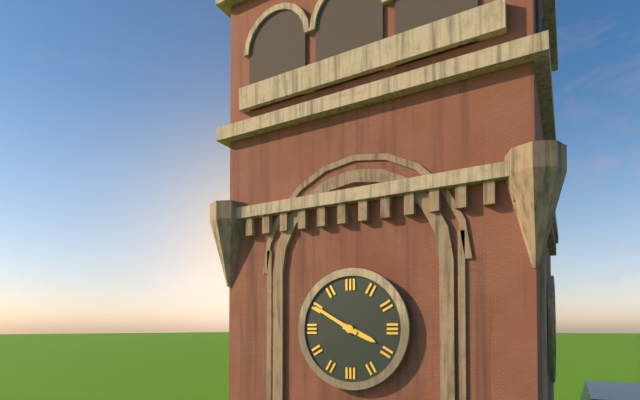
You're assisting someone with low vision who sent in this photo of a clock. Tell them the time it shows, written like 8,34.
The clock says 3,50
